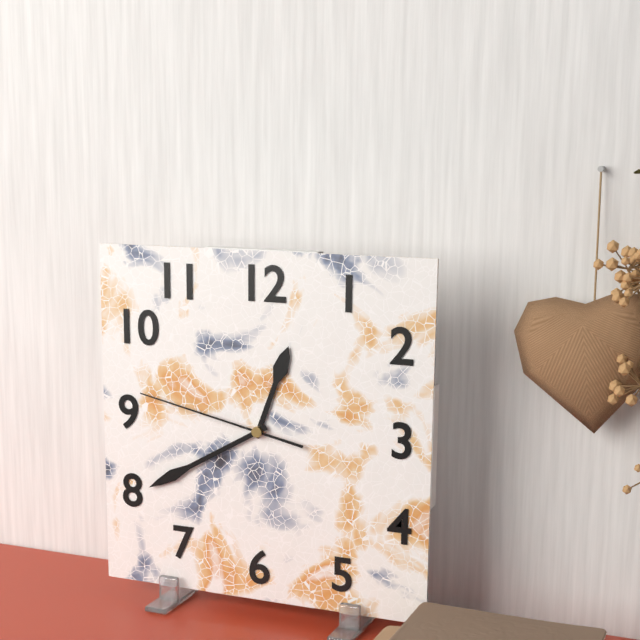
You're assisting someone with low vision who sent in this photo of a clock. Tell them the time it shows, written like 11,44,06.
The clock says 12,40,47
